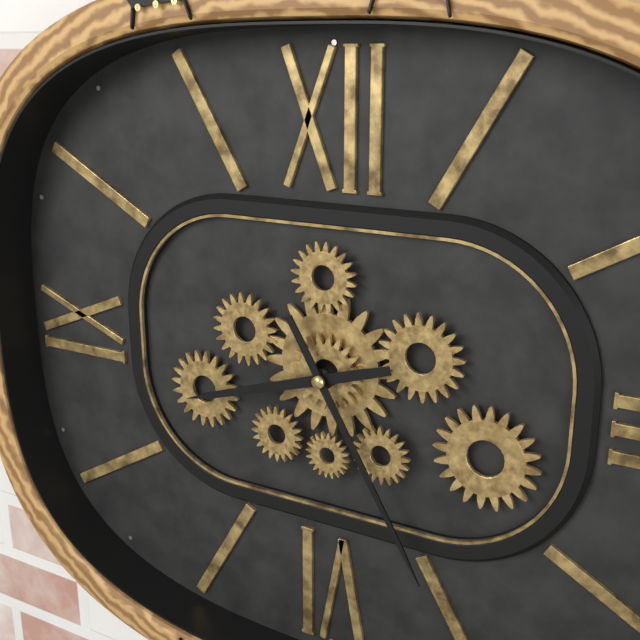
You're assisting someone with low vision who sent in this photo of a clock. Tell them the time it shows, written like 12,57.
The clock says 8,25
